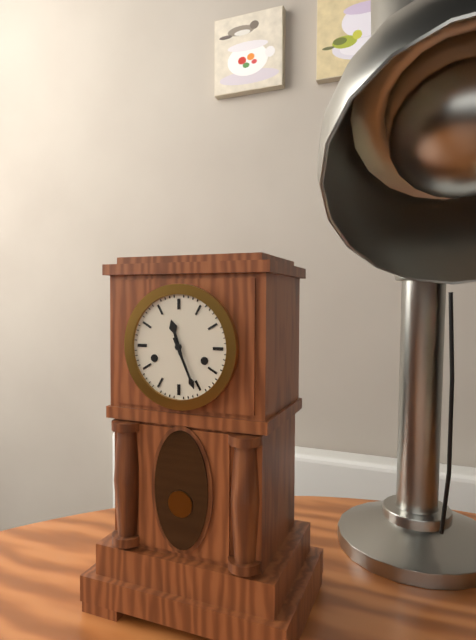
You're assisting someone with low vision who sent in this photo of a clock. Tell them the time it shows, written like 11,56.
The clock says 11,26
